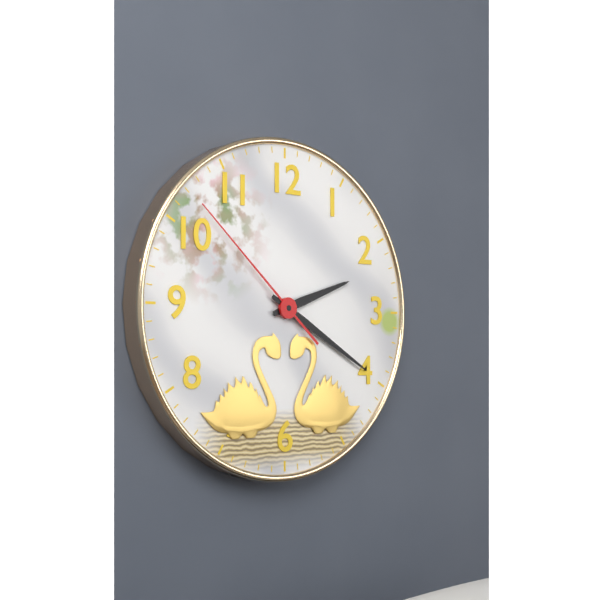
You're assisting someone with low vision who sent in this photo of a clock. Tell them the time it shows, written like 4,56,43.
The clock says 2,20,52
